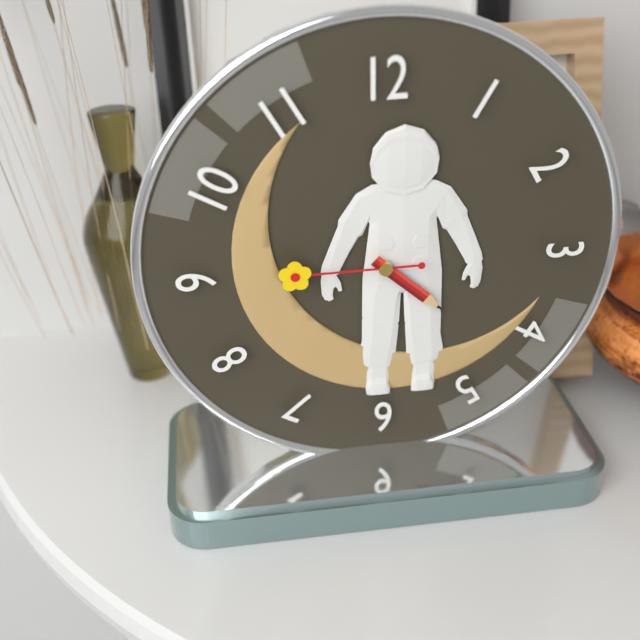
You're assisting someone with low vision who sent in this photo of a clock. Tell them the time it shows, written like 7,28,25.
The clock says 4,22,45
